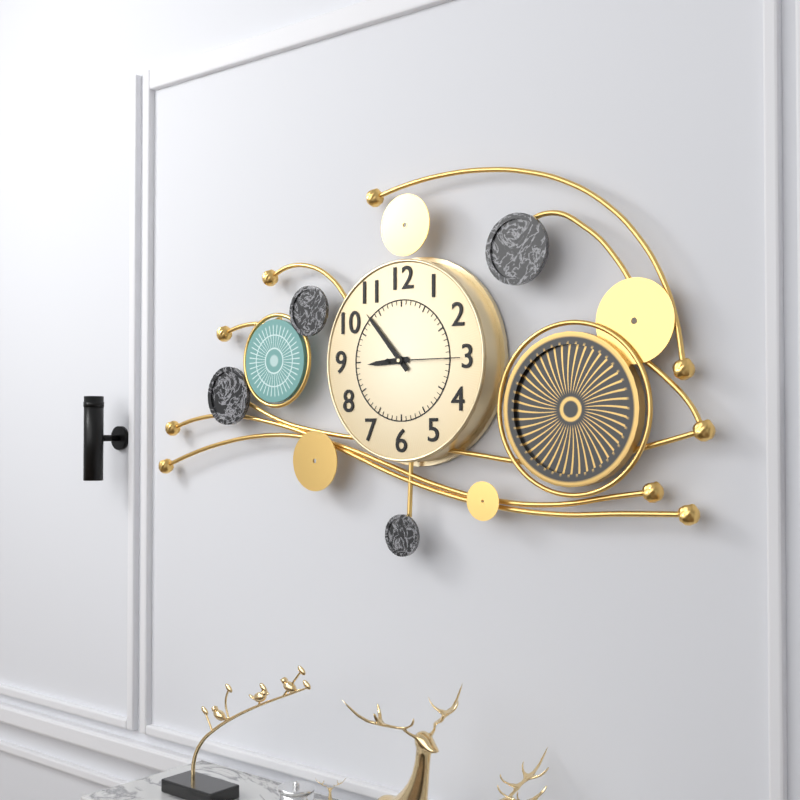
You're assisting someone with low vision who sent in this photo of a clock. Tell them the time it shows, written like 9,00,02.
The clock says 8,53,15
